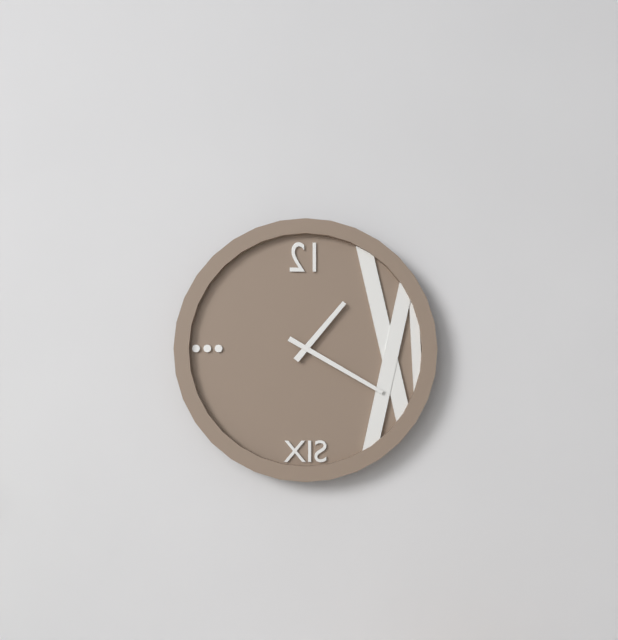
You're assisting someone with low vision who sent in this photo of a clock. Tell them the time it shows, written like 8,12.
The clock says 1,20
